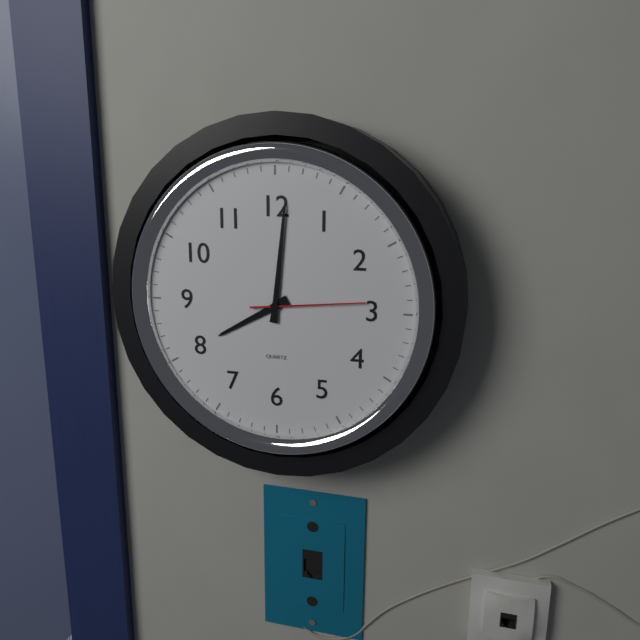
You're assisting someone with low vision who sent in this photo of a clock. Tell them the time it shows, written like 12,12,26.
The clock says 8,01,14
